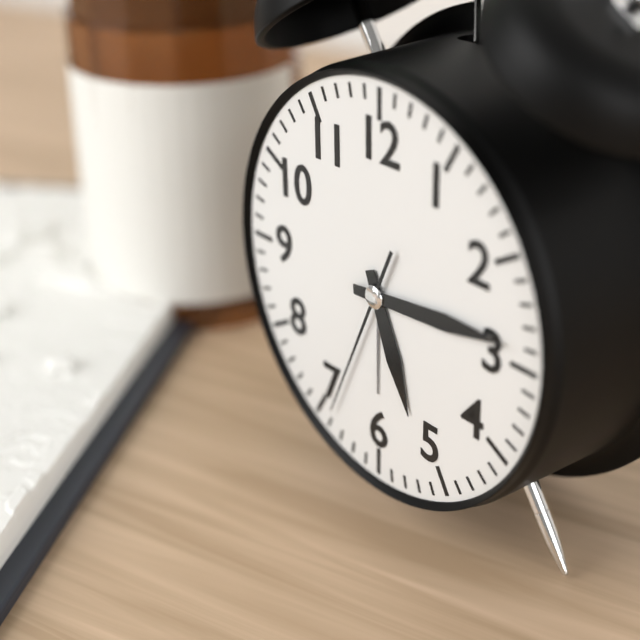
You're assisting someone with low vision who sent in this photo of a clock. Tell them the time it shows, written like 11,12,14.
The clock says 5,14,34
